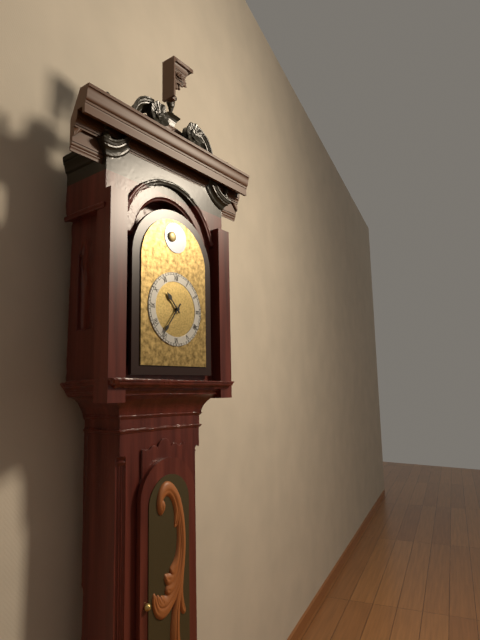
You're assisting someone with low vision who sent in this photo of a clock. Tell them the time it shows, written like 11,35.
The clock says 10,36
